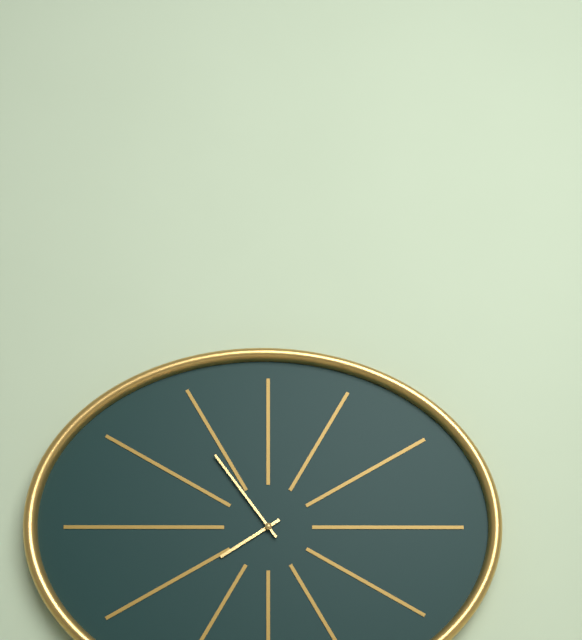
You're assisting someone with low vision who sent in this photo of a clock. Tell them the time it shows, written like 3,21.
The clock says 7,54
